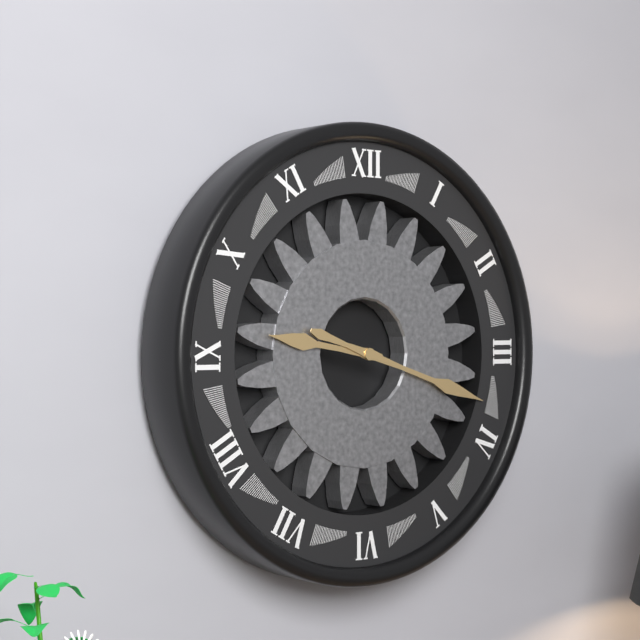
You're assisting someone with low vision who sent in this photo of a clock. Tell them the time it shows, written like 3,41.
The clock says 9,18
